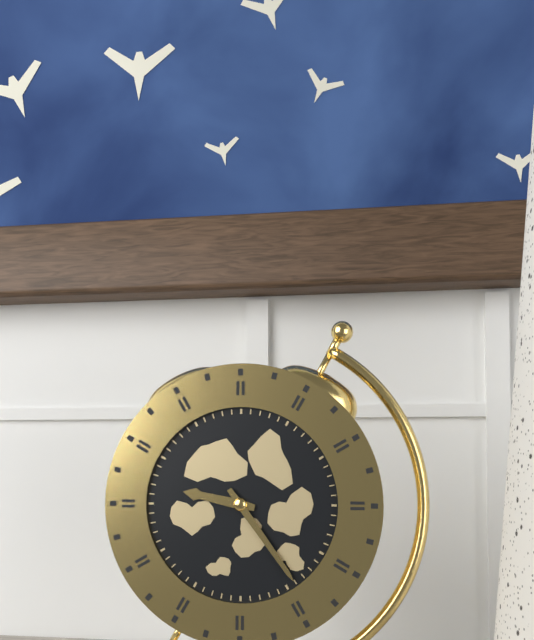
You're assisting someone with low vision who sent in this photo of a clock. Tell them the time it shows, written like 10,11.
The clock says 9,24
